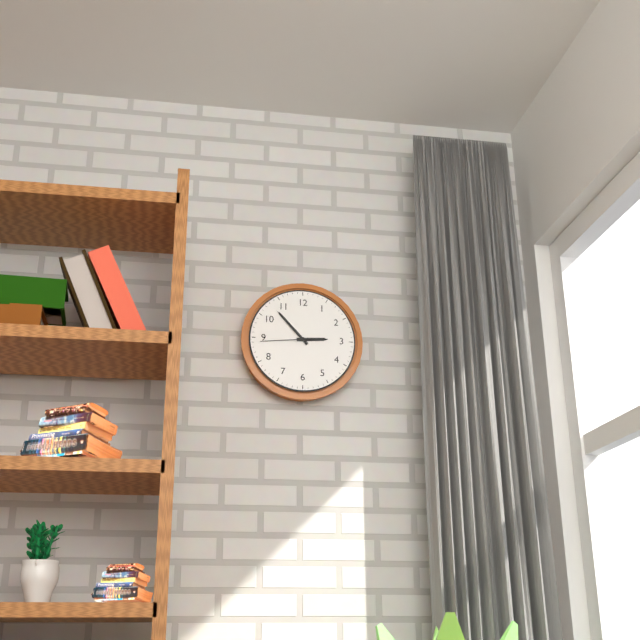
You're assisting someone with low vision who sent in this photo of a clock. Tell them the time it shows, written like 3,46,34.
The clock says 2,53,44
